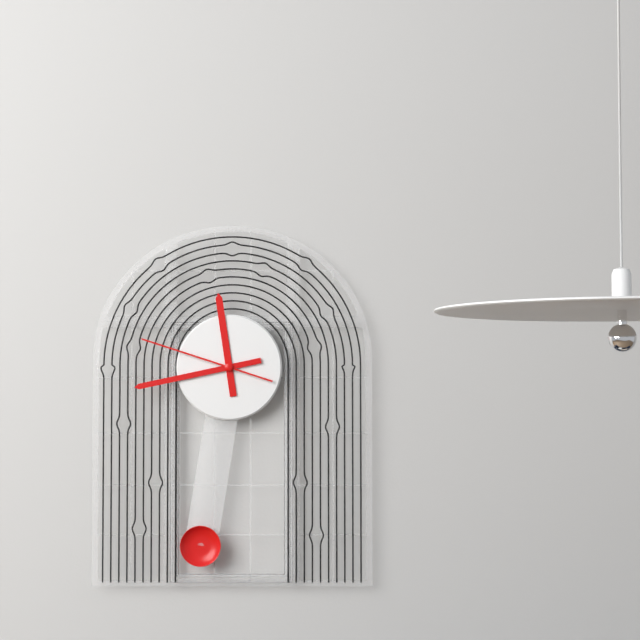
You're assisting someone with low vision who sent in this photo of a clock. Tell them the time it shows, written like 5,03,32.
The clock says 11,43,48
